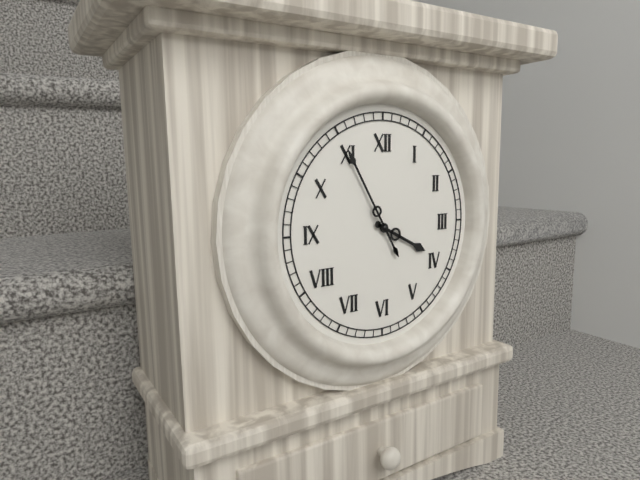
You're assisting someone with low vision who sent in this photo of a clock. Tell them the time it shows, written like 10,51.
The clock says 3,55
